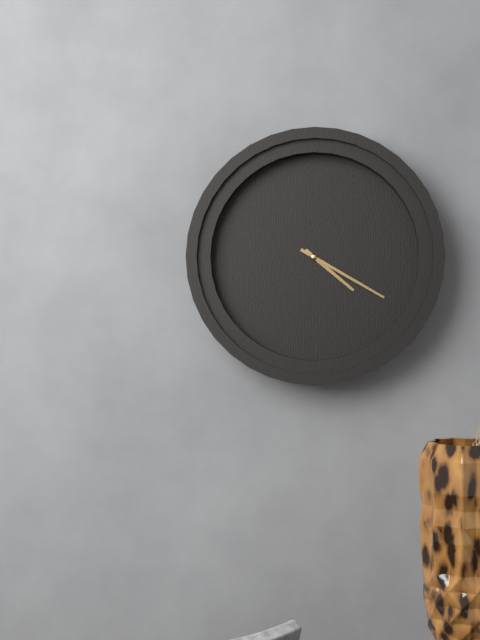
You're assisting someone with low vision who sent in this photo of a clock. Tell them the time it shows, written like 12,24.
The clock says 4,20
